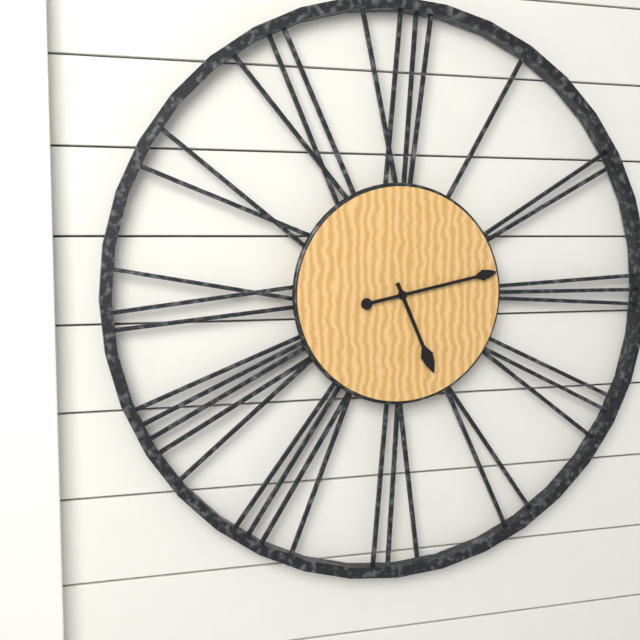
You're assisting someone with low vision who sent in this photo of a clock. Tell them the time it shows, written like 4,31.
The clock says 5,13
